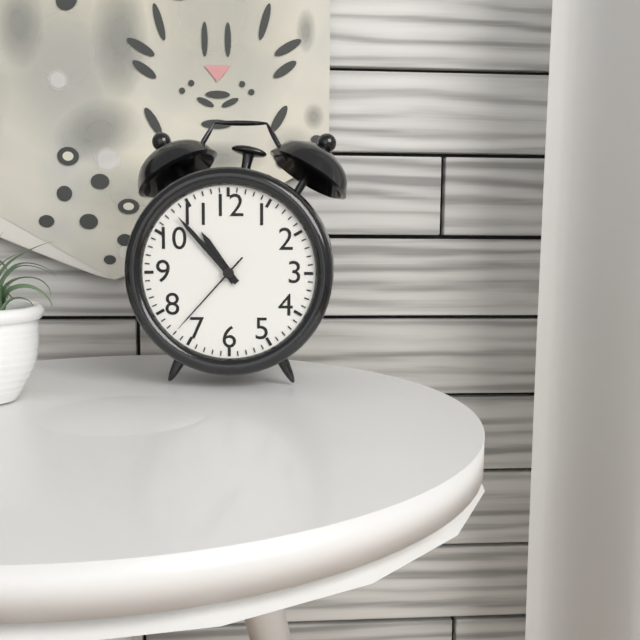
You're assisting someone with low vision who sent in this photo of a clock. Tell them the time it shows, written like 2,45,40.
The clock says 10,53,37
